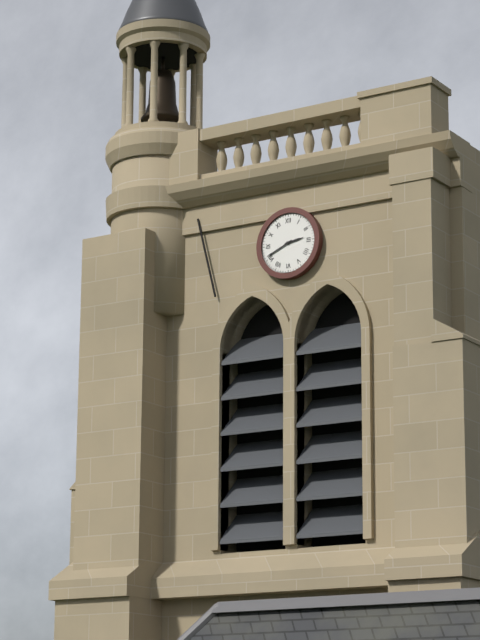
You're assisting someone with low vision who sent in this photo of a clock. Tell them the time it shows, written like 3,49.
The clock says 2,41
